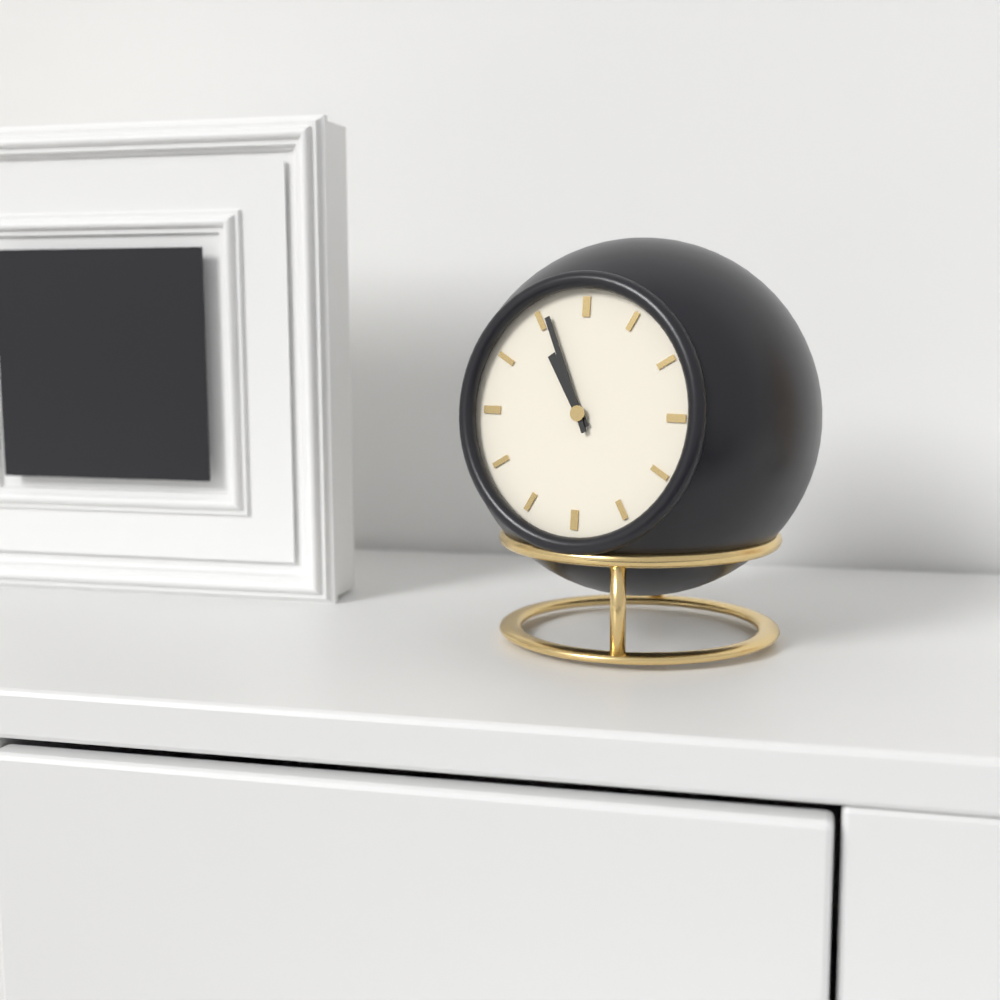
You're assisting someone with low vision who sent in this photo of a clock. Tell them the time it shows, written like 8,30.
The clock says 10,56
